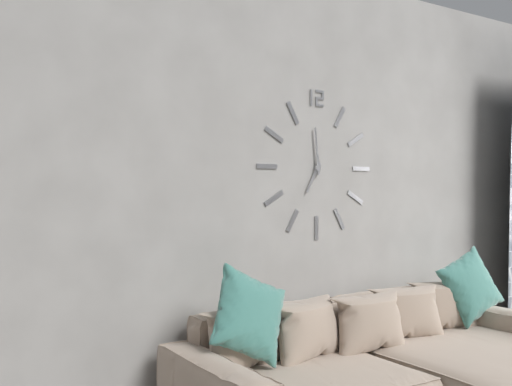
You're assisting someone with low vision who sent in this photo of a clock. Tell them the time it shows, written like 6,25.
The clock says 6,59
